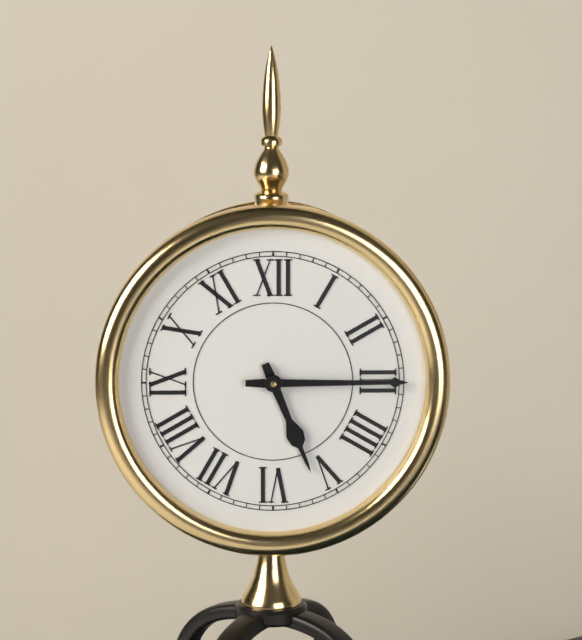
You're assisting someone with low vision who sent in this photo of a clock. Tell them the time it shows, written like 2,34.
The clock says 5,15
